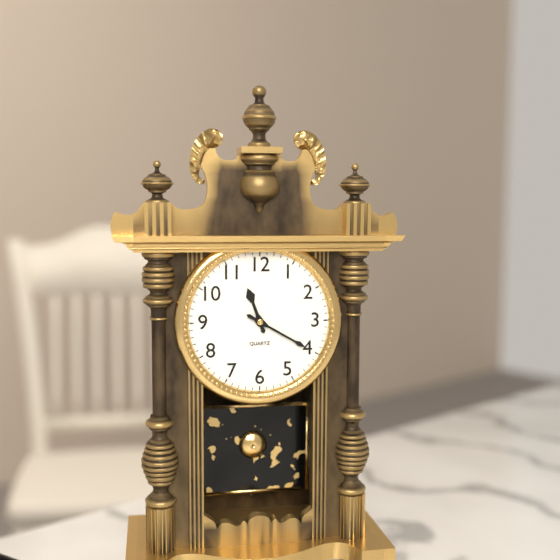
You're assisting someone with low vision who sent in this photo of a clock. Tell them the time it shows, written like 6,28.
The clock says 11,20
